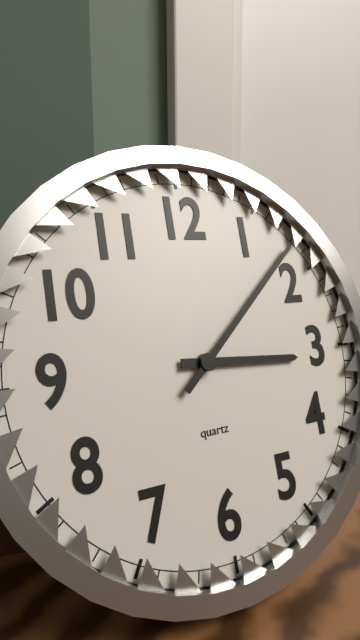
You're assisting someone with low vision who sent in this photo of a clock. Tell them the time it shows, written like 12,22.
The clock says 3,08
